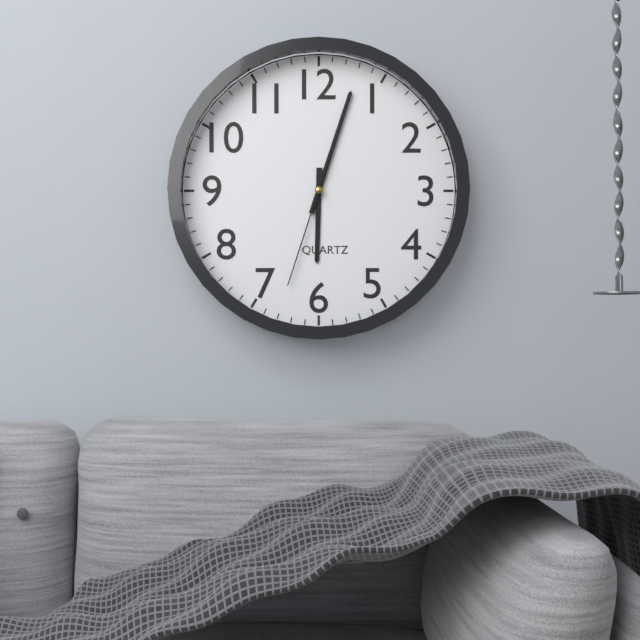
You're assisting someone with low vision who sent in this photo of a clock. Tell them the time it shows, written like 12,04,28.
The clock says 6,03,33
